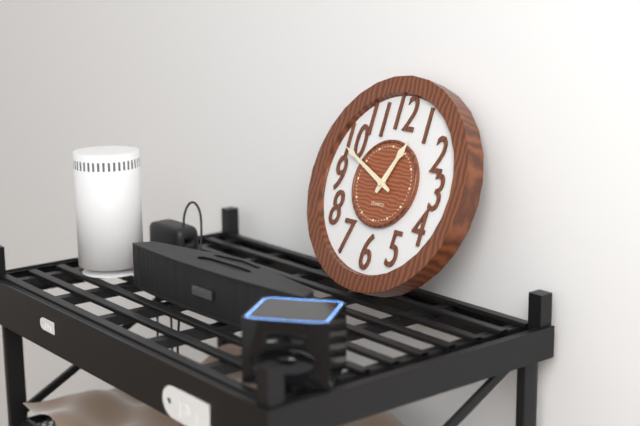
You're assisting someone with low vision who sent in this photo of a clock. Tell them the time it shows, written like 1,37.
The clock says 12,49
